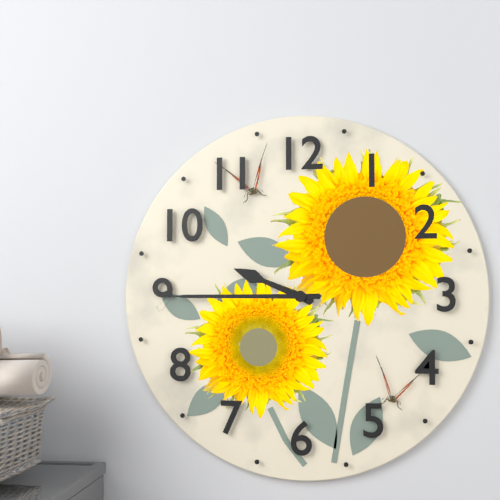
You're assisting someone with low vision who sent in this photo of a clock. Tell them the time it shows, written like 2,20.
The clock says 9,45
